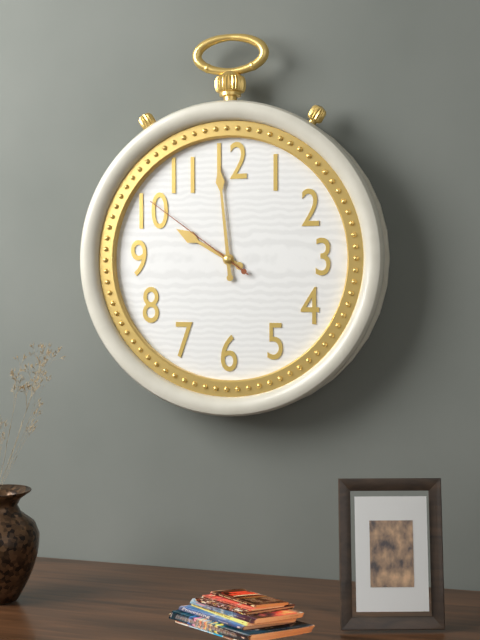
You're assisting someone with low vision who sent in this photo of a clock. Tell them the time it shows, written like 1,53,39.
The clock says 9,59,51
